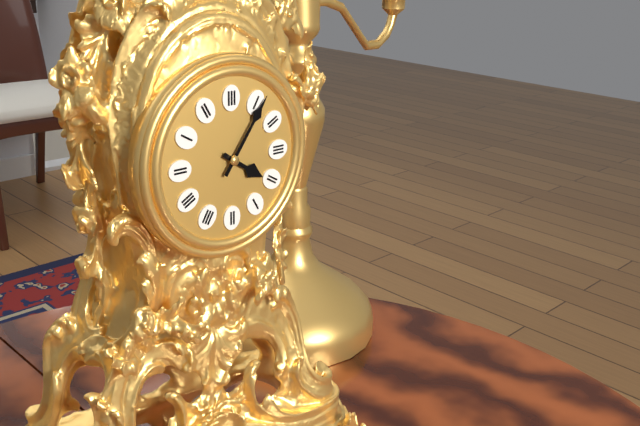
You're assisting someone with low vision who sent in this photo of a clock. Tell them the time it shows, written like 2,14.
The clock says 4,06
